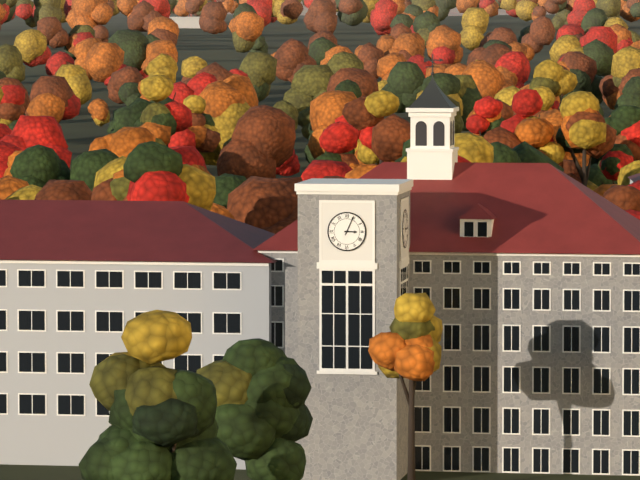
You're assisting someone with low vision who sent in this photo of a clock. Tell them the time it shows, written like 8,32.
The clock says 3,04
